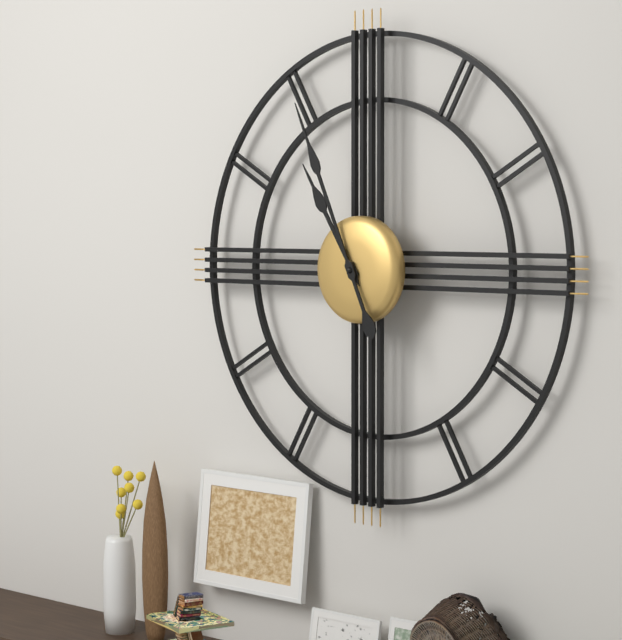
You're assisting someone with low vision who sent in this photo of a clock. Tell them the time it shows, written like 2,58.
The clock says 10,56
